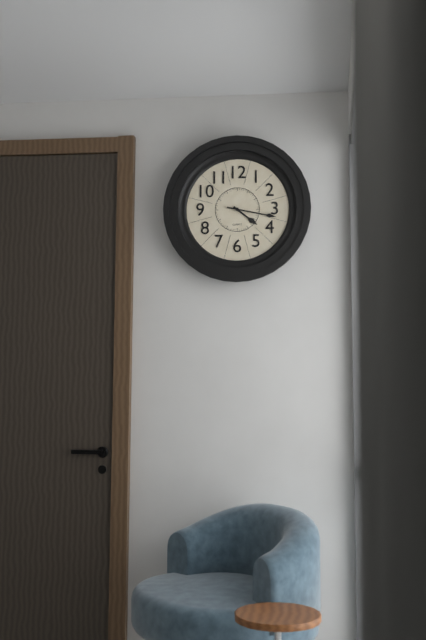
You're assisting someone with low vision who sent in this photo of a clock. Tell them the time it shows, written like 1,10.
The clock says 4,17
